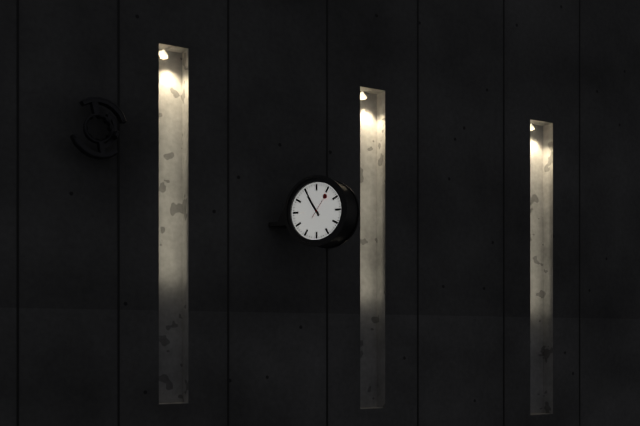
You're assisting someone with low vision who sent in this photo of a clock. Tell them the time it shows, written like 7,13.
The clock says 10,55
